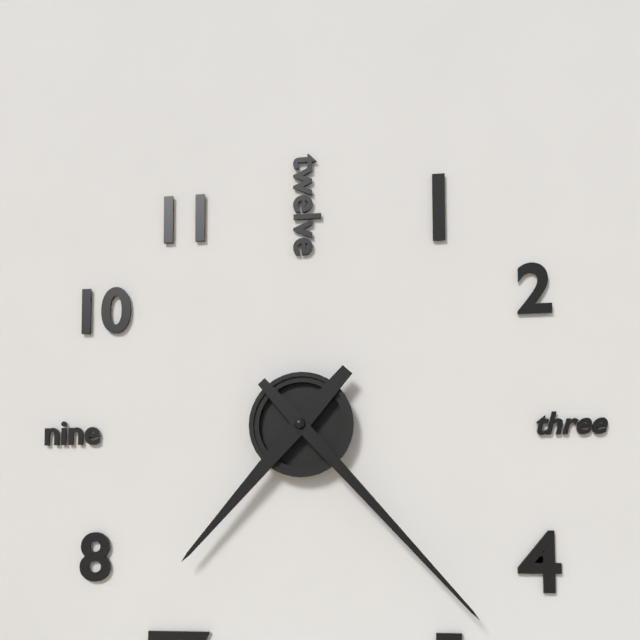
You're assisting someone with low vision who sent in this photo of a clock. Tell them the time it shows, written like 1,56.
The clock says 7,23
